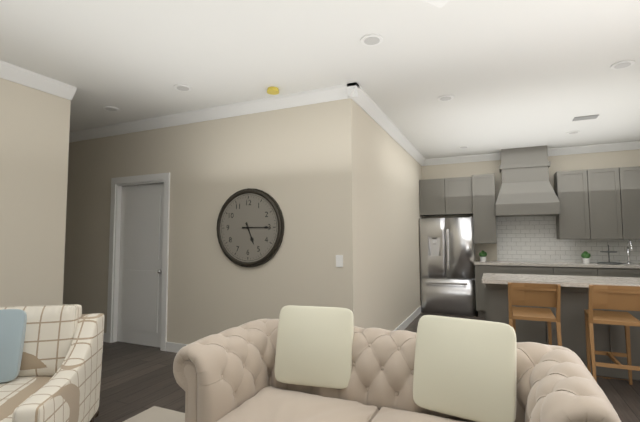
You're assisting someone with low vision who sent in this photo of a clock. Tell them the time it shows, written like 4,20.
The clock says 5,15
